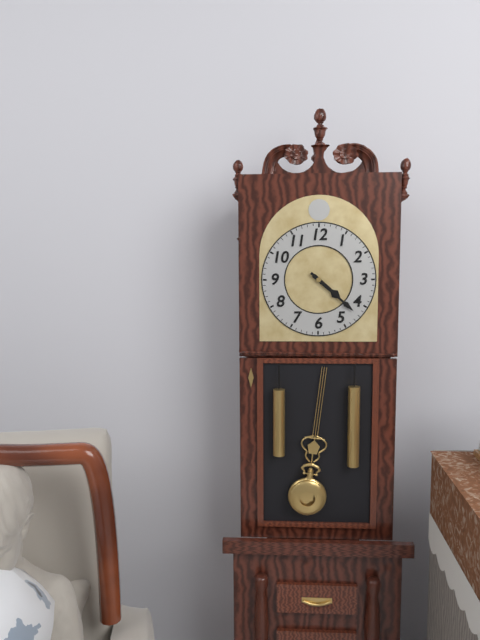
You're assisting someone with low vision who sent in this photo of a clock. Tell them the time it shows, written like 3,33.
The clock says 4,22
